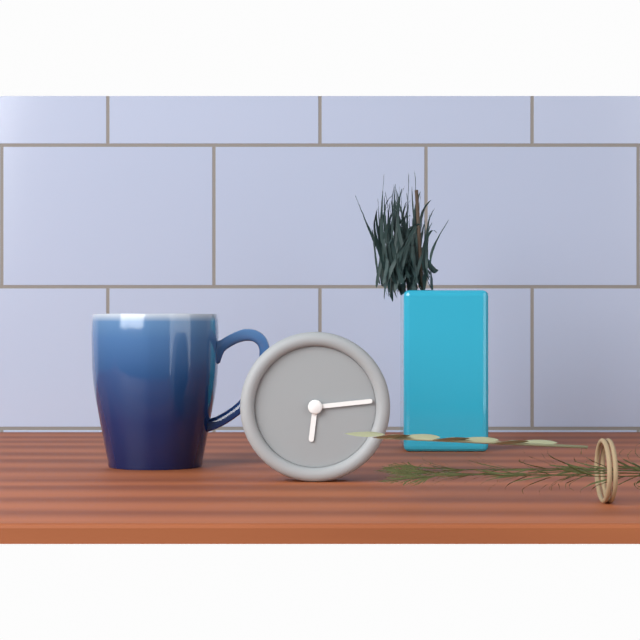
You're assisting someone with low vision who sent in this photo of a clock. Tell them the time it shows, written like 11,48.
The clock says 6,14
